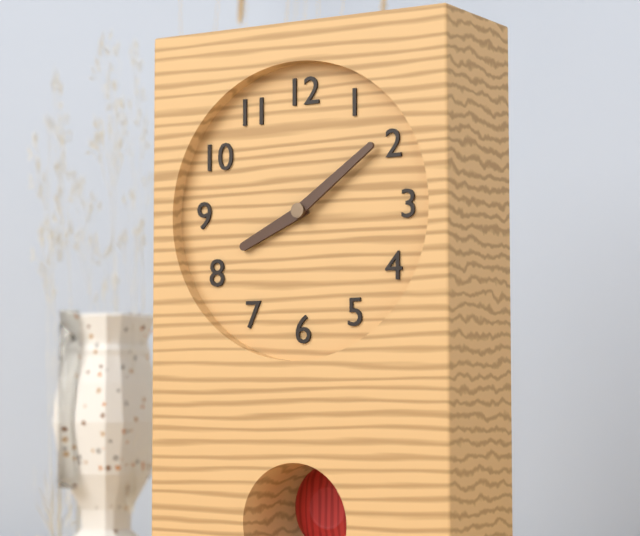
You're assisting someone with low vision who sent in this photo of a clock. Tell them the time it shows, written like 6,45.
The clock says 8,09
